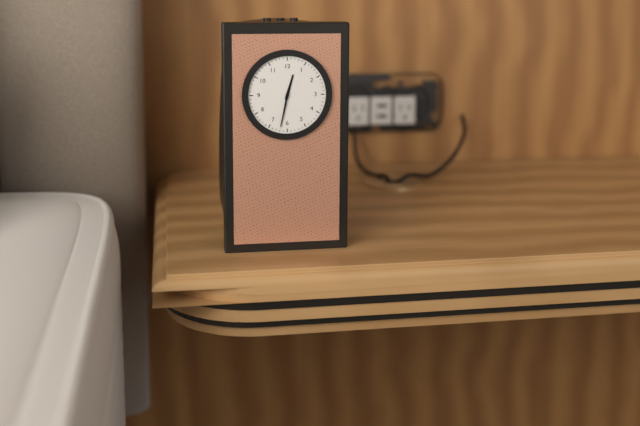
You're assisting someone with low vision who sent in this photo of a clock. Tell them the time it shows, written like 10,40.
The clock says 12,32
